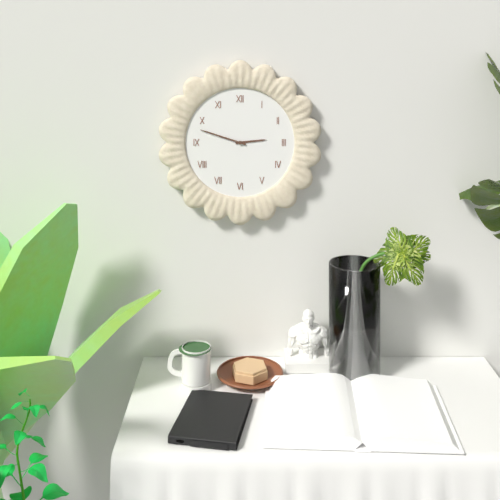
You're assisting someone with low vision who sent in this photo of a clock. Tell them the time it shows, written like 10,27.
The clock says 2,48
